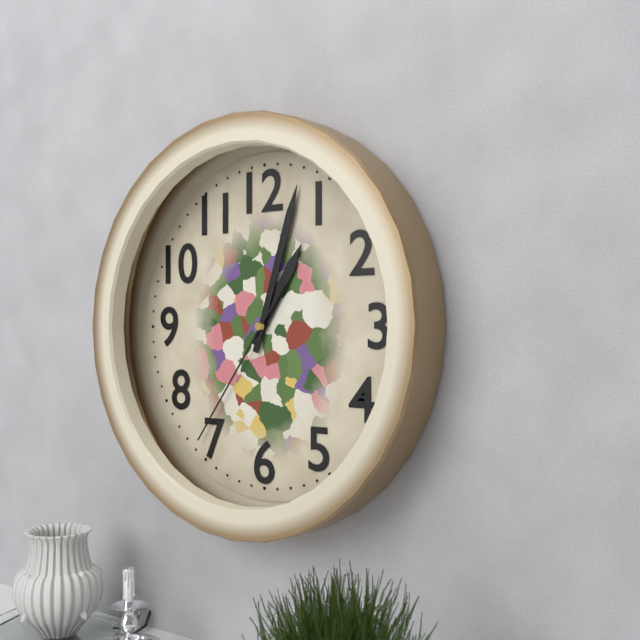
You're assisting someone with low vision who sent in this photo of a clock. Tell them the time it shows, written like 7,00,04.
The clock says 1,03,36
